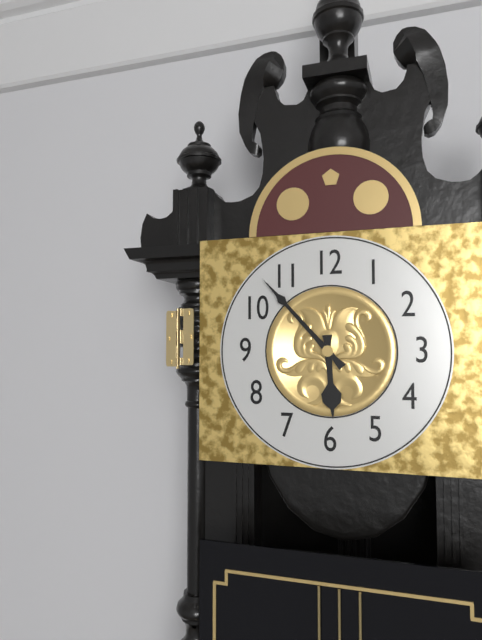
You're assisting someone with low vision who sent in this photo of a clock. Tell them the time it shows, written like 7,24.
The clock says 5,53
